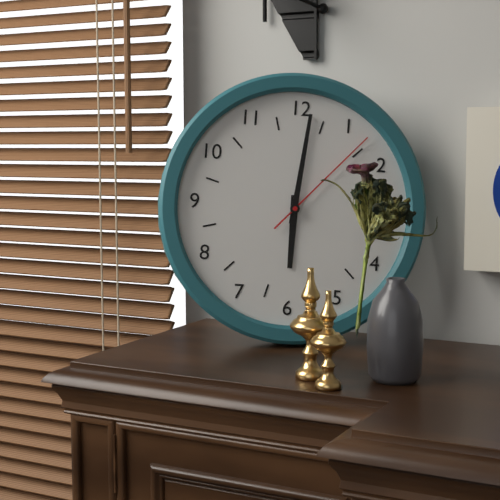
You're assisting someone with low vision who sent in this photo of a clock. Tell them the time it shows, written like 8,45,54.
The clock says 6,01,07
